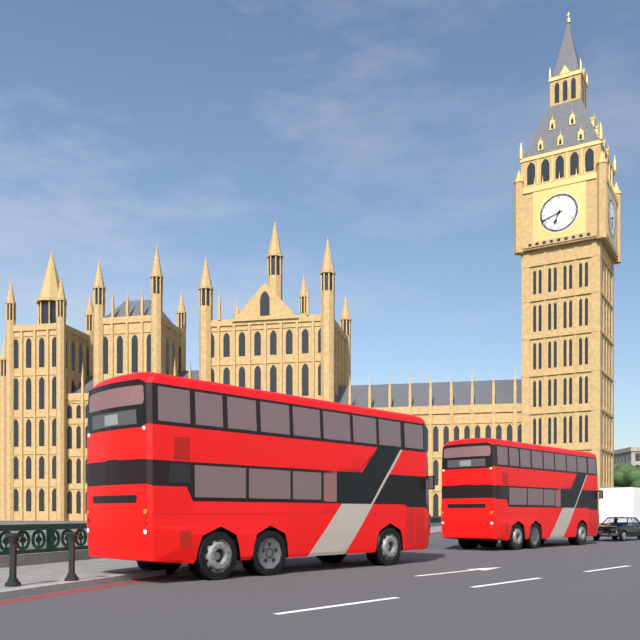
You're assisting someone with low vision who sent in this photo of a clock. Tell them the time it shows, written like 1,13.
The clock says 6,42
